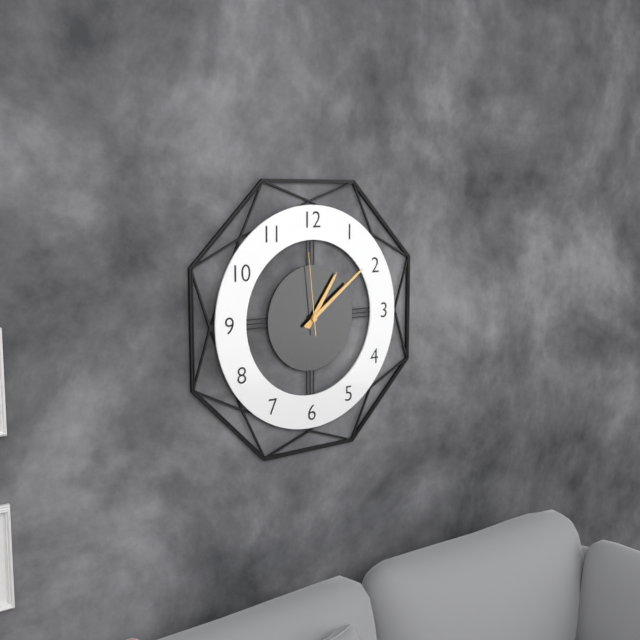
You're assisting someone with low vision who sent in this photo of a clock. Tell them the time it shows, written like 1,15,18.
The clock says 1,09,59
